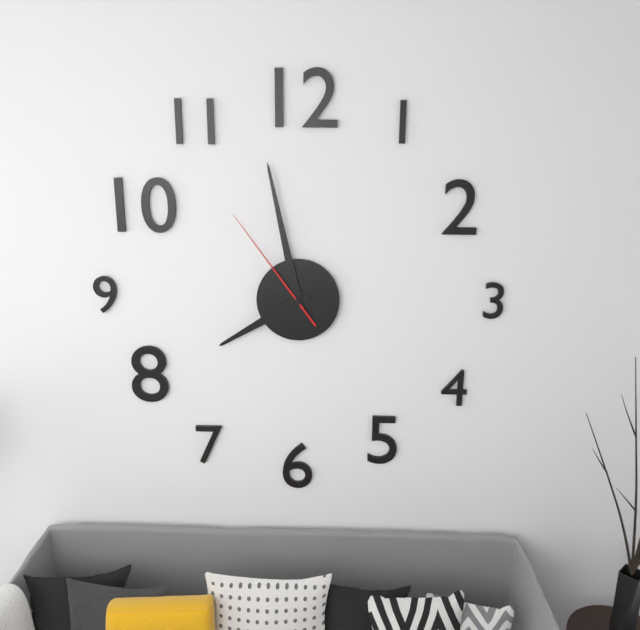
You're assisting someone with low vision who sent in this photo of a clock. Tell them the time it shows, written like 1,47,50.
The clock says 7,58,54
